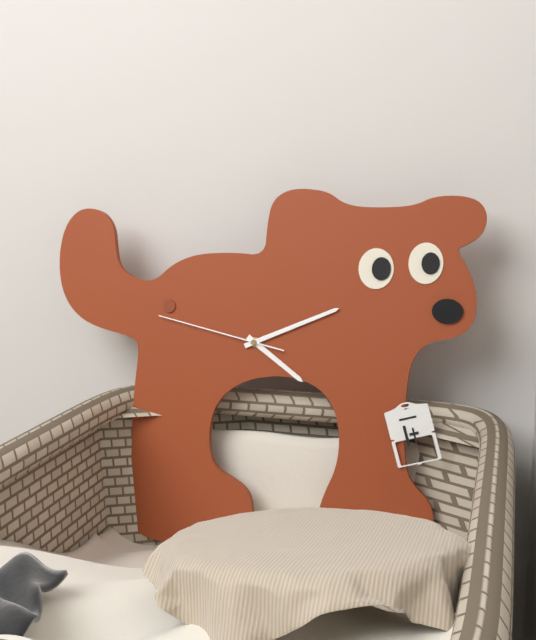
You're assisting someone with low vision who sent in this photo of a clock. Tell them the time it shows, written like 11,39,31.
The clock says 4,11,47
